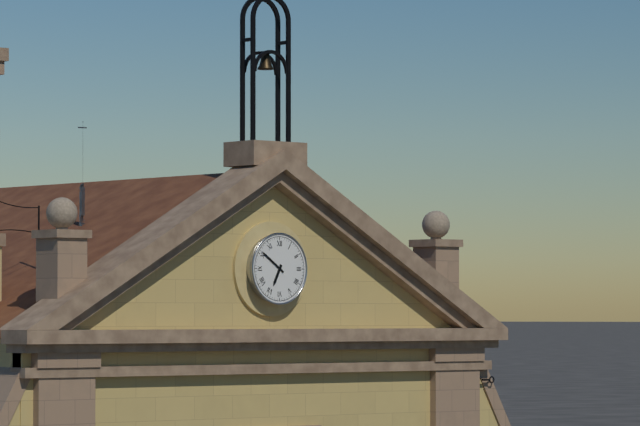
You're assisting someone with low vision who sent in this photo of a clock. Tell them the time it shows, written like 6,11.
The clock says 6,51
